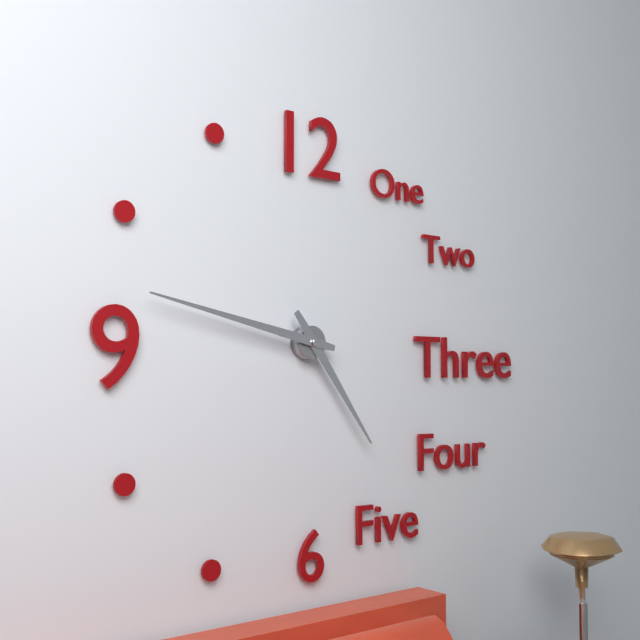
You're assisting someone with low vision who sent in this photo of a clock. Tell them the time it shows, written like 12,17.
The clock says 4,47
